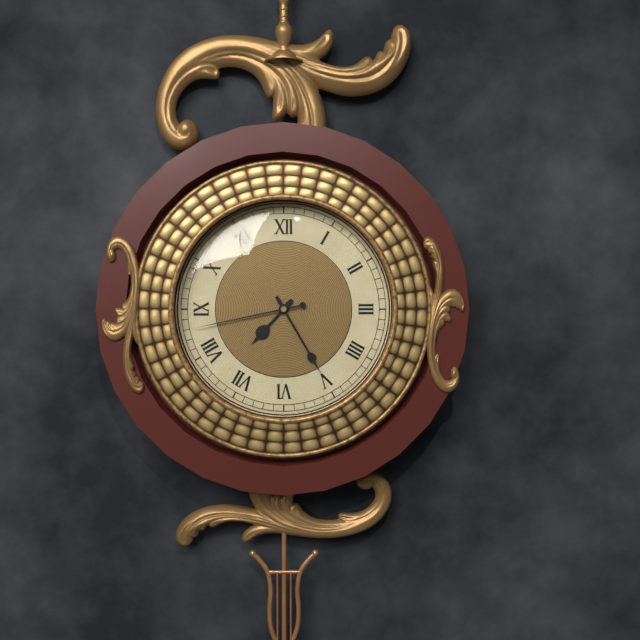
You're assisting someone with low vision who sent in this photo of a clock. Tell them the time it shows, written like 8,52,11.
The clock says 7,25,43
